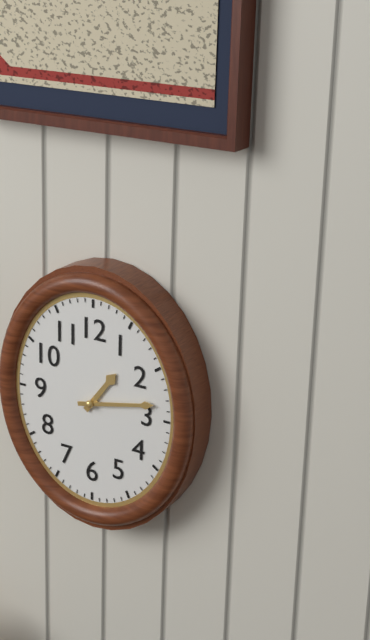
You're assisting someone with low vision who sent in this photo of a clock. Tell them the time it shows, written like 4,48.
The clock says 1,13
